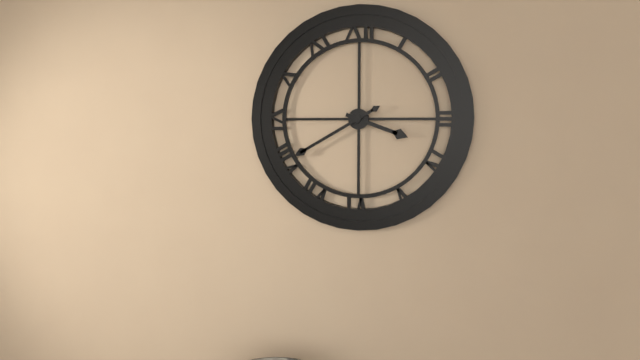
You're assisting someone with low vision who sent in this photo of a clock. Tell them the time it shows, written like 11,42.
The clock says 3,40
